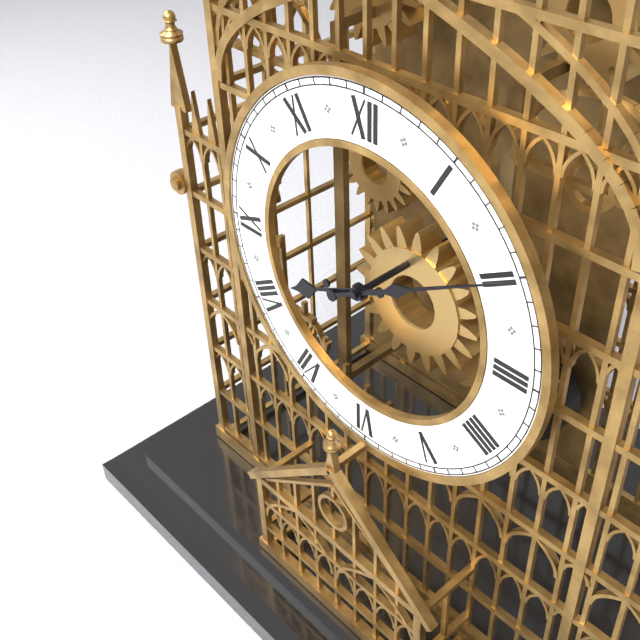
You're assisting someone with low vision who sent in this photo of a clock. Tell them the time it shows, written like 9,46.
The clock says 8,10
